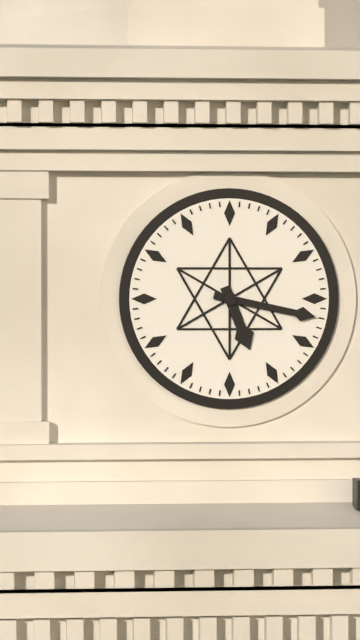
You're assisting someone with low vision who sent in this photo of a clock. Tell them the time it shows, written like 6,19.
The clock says 5,17
